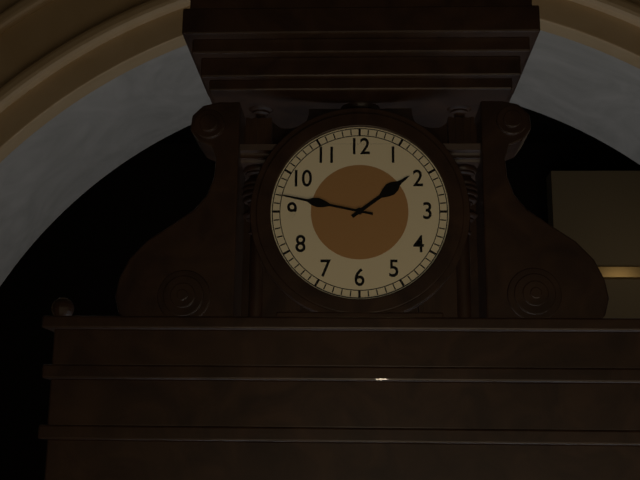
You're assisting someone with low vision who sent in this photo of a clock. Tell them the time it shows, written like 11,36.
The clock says 1,47
